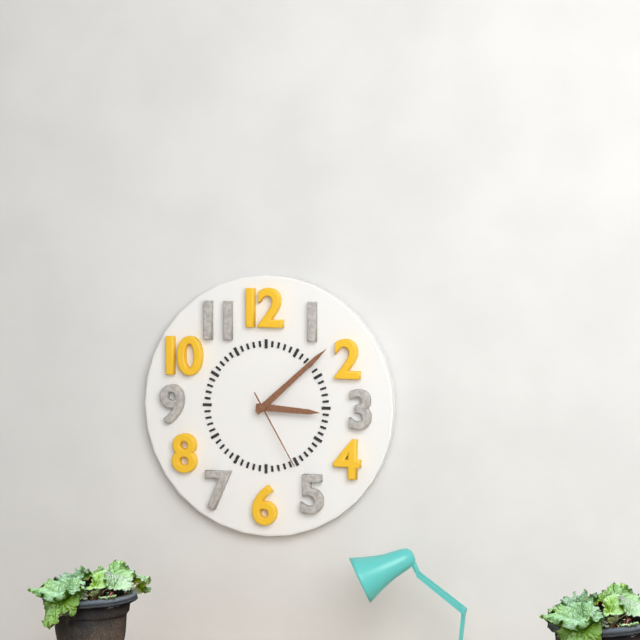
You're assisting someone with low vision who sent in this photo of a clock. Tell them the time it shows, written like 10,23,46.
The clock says 3,08,25
